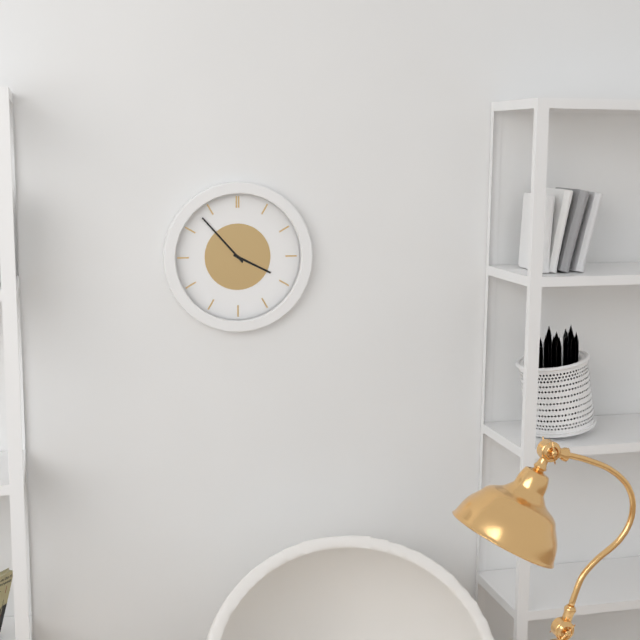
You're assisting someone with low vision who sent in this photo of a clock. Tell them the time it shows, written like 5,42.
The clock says 3,53
